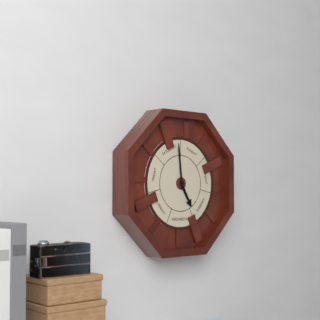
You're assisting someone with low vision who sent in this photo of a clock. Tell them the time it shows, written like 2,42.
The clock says 4,59
